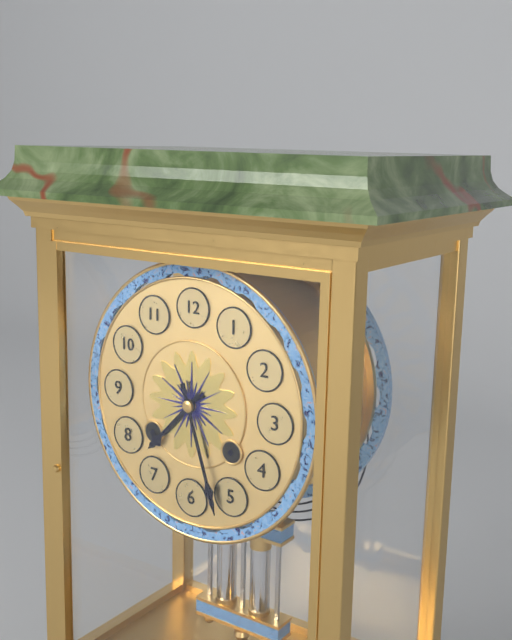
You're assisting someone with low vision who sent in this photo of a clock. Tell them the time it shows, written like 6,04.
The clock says 7,27
